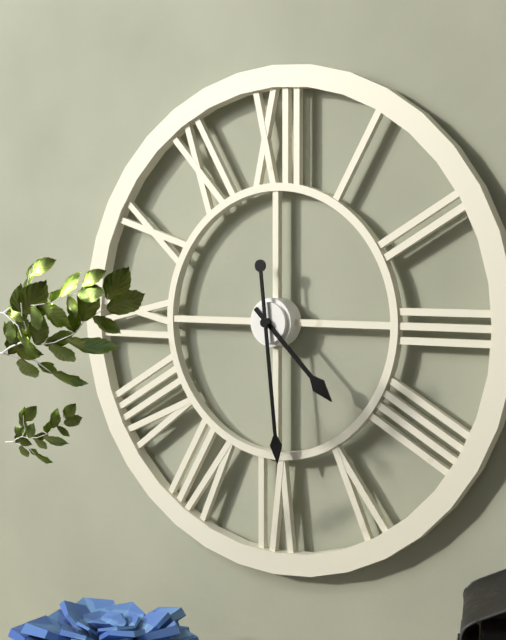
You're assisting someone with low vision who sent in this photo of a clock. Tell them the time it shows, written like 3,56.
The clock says 4,29
